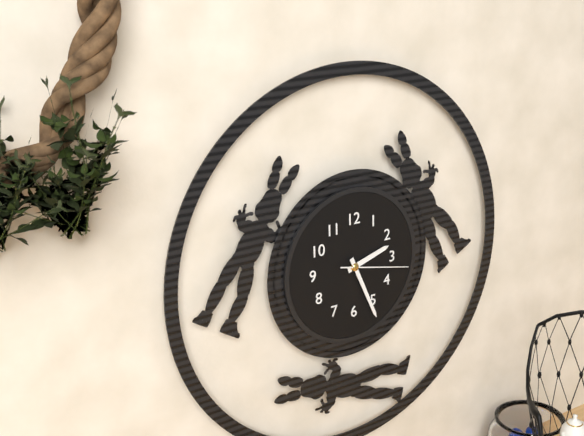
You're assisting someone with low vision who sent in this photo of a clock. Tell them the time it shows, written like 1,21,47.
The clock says 2,26,17
